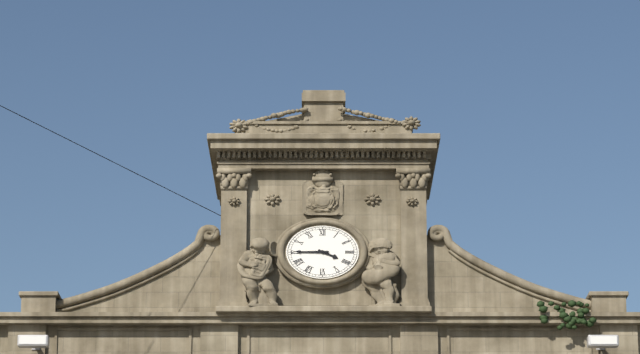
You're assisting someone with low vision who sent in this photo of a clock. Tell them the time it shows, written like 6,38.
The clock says 3,45
